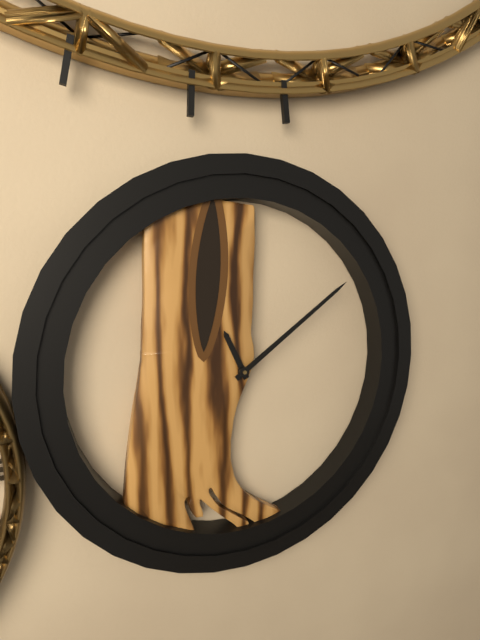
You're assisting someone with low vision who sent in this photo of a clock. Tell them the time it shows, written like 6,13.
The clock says 11,09
